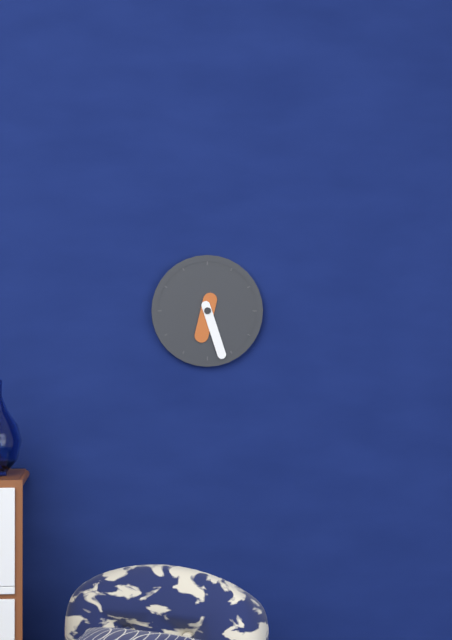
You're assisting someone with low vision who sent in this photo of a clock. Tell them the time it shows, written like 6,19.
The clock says 6,27
